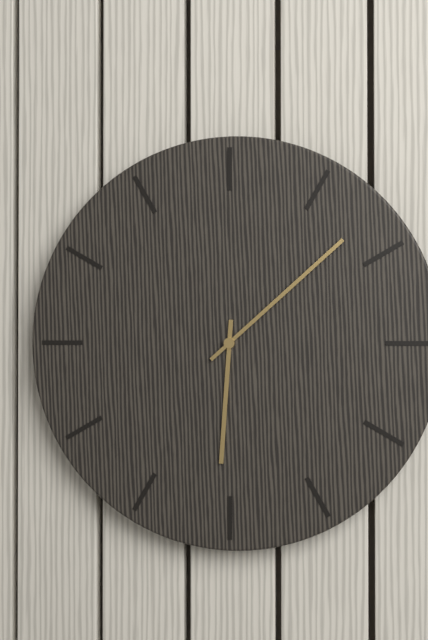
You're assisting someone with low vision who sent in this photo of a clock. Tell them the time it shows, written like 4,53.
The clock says 6,08
